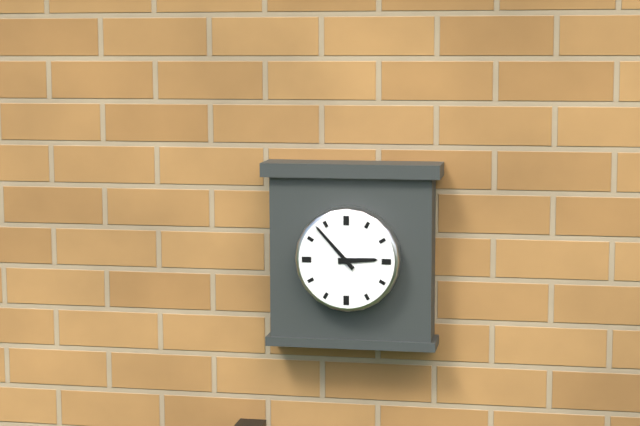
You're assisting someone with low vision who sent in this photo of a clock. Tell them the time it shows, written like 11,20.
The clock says 2,53
